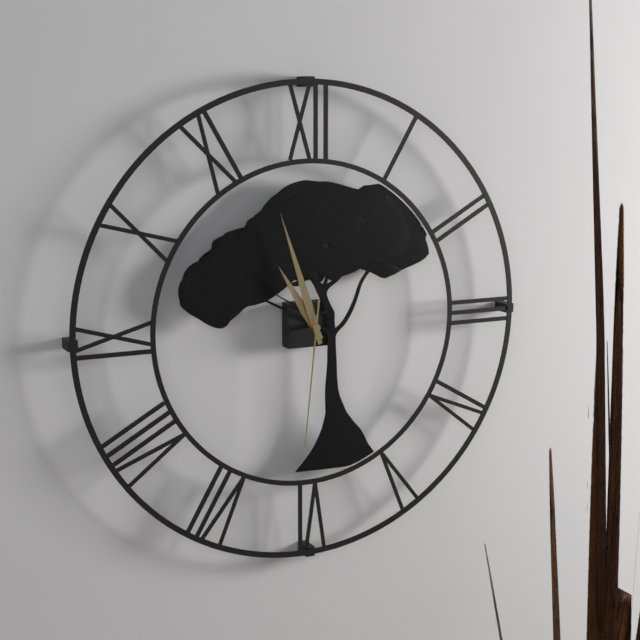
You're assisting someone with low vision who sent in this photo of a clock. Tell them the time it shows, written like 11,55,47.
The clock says 10,57,31
